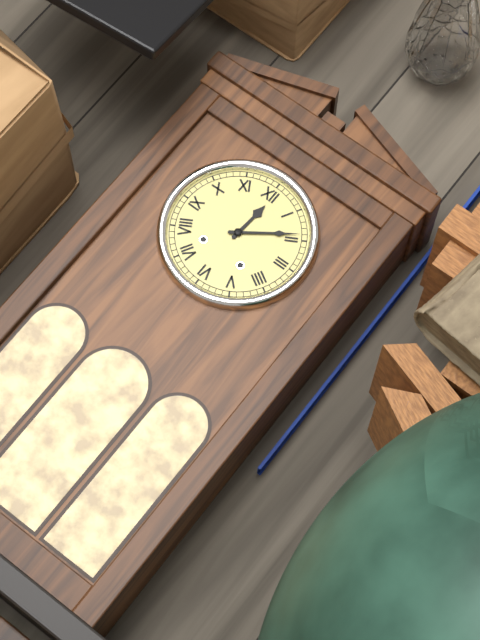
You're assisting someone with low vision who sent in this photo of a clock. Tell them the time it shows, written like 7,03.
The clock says 12,09
